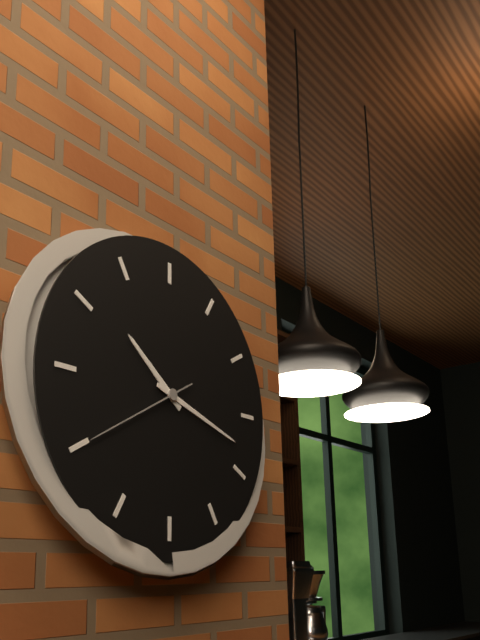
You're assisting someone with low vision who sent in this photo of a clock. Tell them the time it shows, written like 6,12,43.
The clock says 10,18,40
